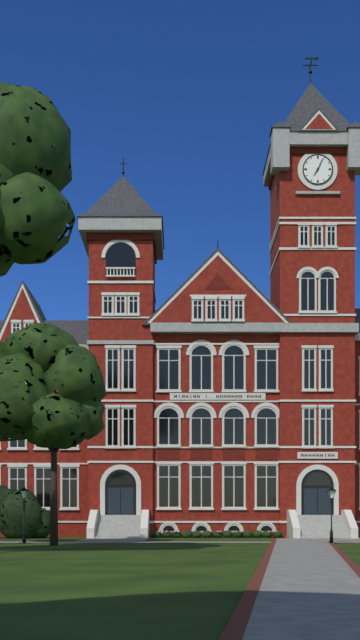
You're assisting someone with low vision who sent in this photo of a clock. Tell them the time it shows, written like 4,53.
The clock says 7,04
